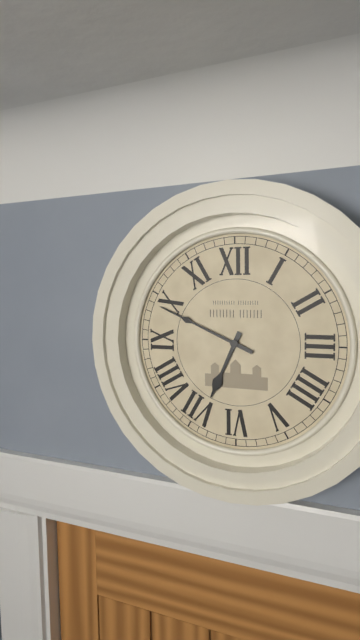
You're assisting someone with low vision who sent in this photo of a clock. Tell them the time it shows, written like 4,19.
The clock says 6,49
